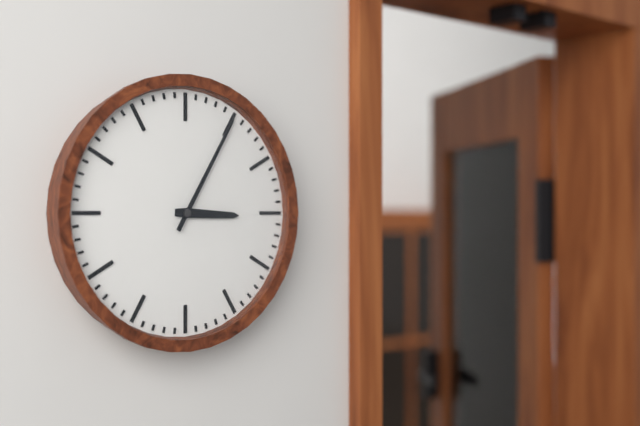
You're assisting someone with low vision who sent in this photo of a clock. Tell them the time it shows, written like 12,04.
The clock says 3,05
